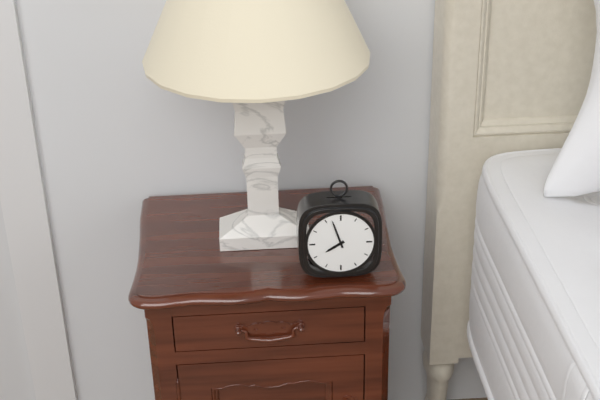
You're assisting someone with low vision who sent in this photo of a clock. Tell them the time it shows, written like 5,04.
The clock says 7,57
